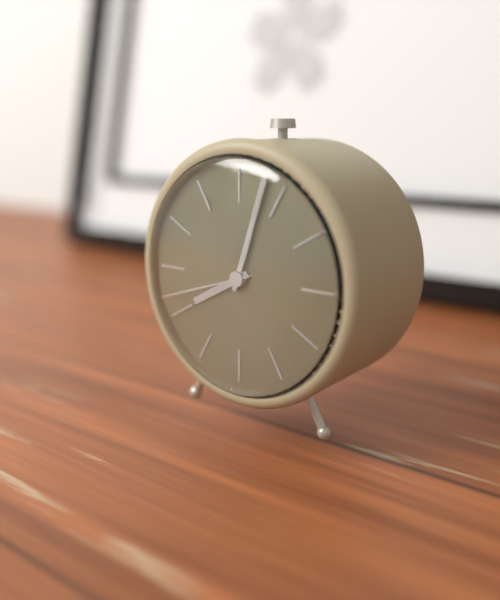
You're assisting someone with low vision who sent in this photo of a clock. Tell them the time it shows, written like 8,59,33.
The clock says 8,03,42
